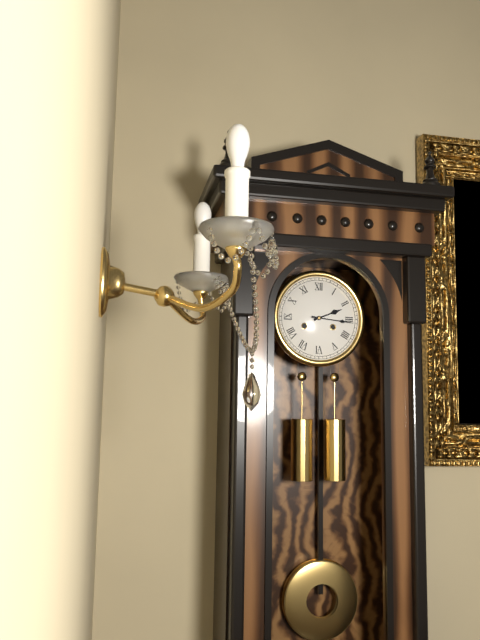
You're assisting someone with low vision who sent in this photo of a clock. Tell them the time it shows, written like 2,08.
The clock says 2,16
